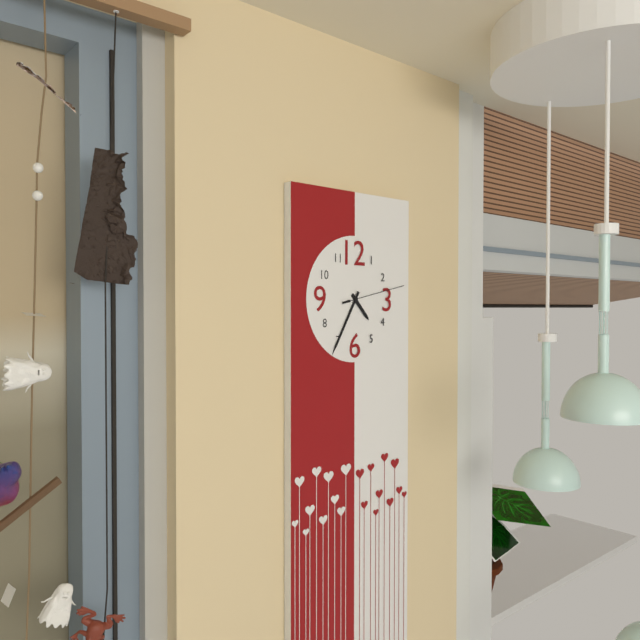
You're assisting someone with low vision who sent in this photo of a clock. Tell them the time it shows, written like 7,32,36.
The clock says 4,35,13
